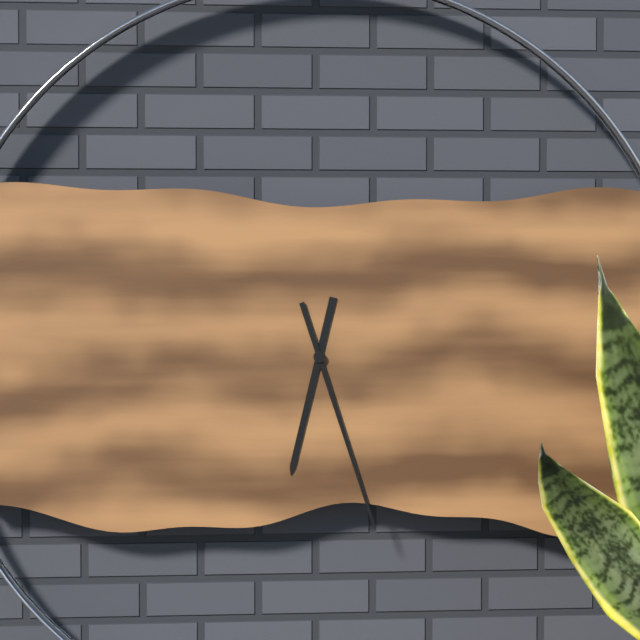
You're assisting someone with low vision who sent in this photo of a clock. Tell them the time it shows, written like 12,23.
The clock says 6,27
